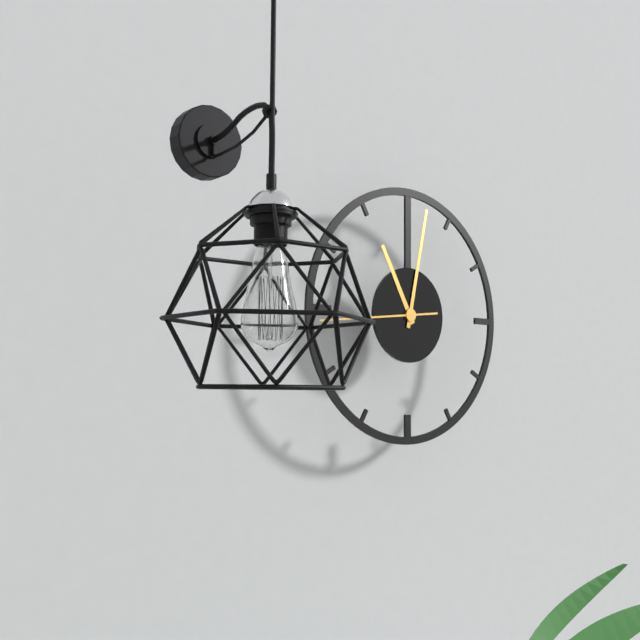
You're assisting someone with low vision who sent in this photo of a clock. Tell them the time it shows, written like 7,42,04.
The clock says 11,02,44
